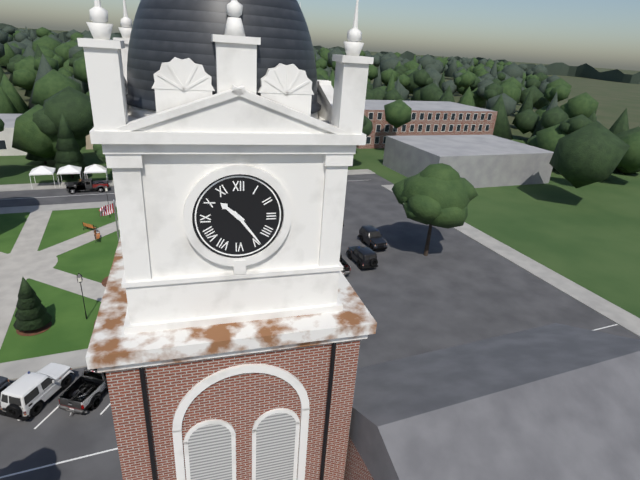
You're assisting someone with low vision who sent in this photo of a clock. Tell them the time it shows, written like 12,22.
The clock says 10,24
